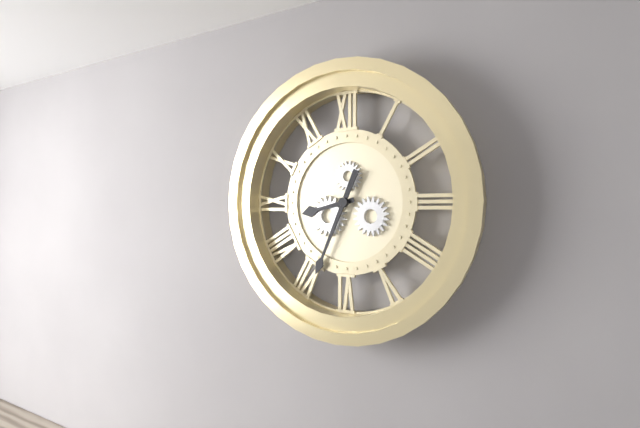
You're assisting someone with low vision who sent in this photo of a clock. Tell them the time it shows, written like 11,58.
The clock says 8,34
